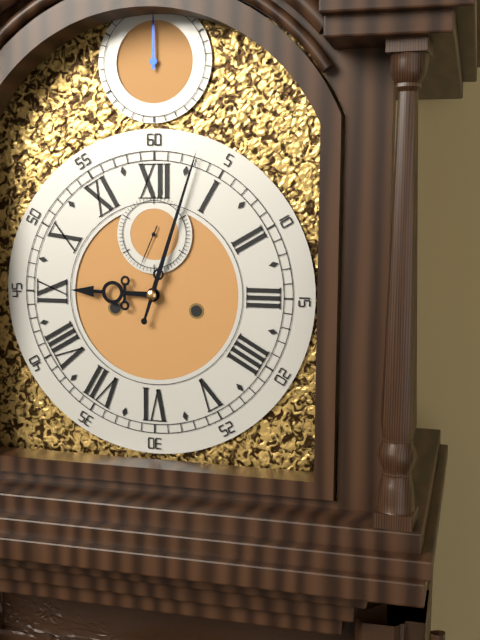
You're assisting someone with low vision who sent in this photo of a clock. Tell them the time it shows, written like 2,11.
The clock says 9,03
